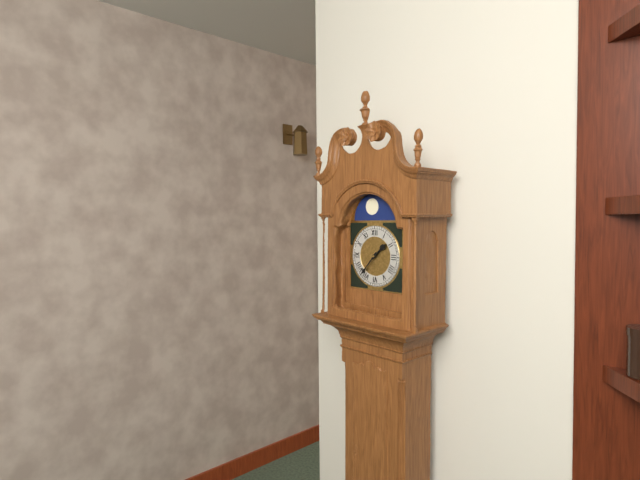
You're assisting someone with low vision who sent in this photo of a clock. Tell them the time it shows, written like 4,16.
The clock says 1,37
